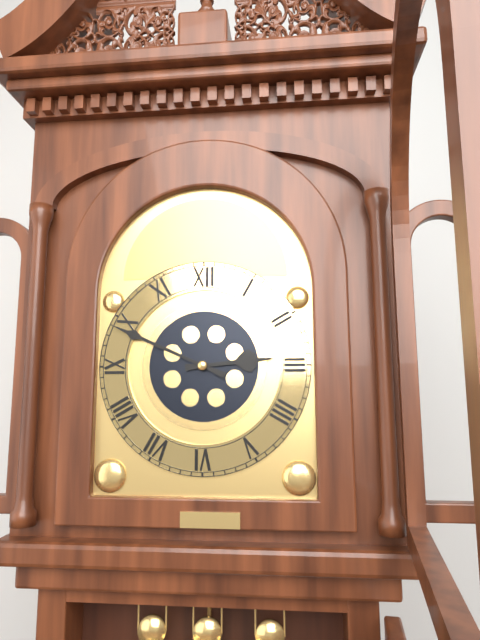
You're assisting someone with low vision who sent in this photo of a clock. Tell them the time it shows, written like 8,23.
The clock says 2,49
